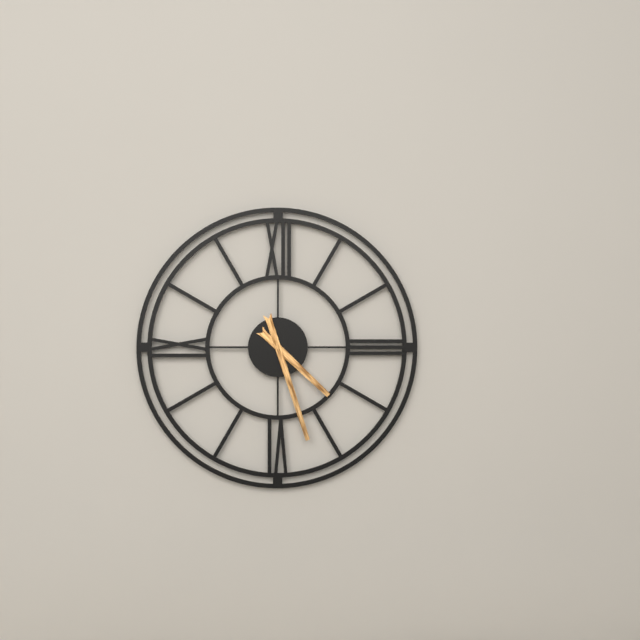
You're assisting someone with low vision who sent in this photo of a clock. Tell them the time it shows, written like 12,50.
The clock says 4,27
